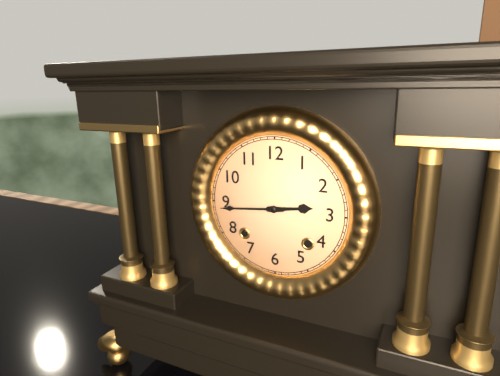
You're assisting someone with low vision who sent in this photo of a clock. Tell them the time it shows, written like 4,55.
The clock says 2,44
